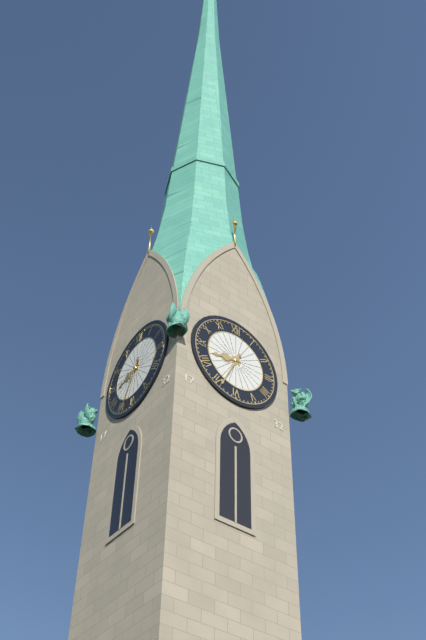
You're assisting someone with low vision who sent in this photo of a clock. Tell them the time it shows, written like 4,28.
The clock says 8,34
